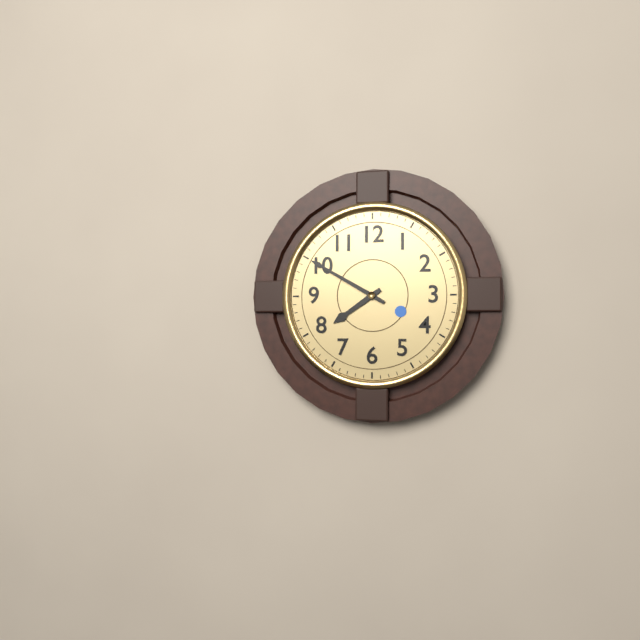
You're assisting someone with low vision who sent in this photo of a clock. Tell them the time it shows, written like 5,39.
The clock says 7,50
